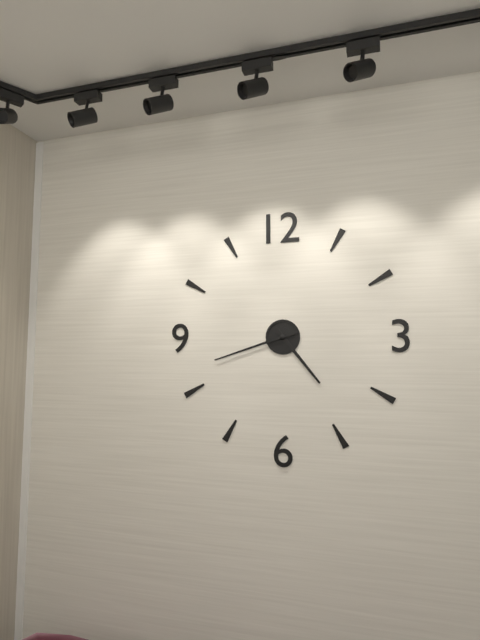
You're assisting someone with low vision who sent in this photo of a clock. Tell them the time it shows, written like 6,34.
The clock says 4,42
